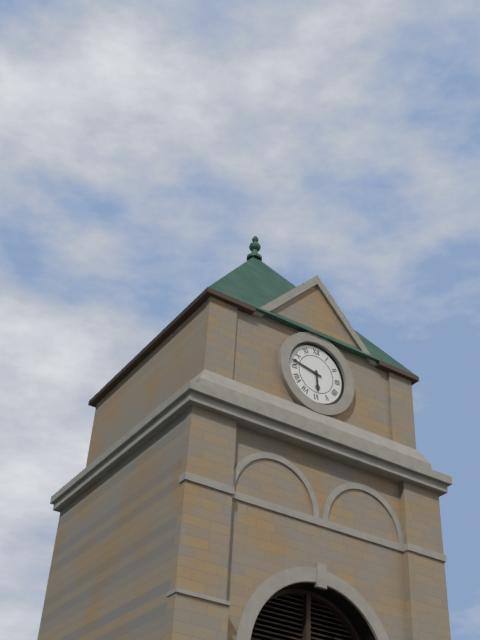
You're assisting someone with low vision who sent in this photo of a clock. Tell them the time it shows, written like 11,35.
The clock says 5,47
